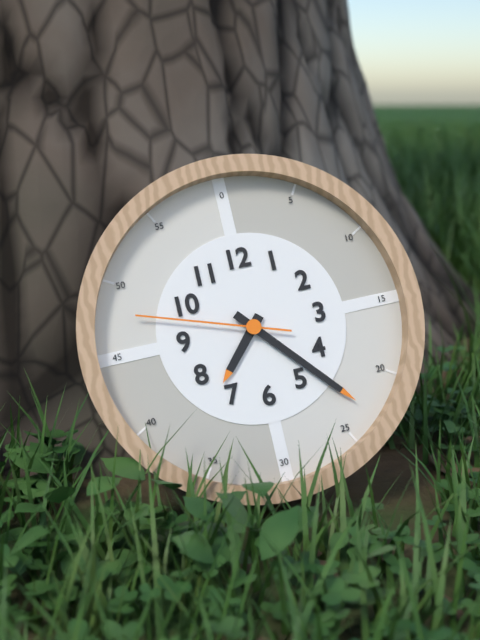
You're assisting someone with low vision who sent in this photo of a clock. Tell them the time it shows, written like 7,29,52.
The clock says 7,23,48
